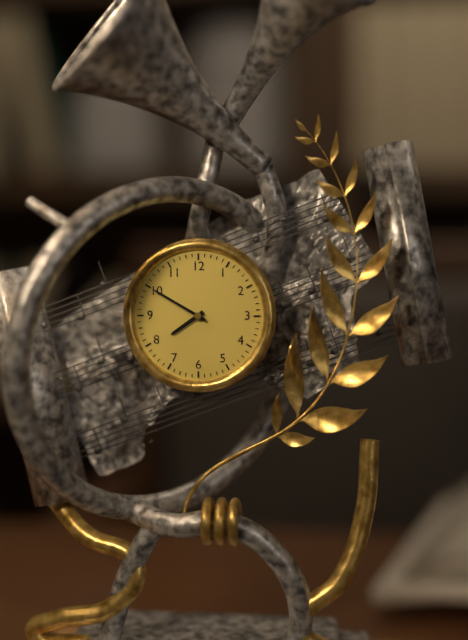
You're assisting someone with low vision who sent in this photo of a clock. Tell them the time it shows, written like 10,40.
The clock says 7,50
